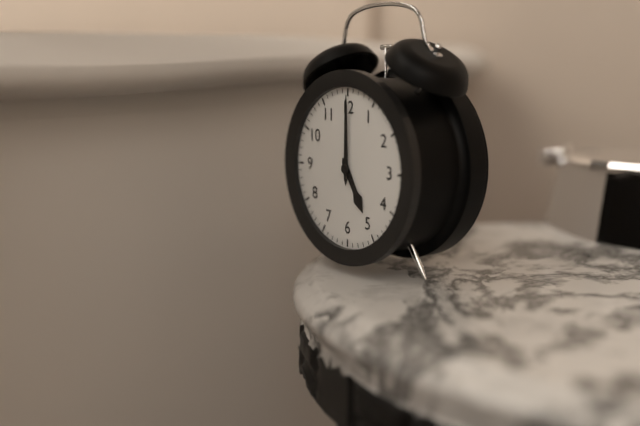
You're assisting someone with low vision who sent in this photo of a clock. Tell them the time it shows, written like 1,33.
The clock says 5,00
